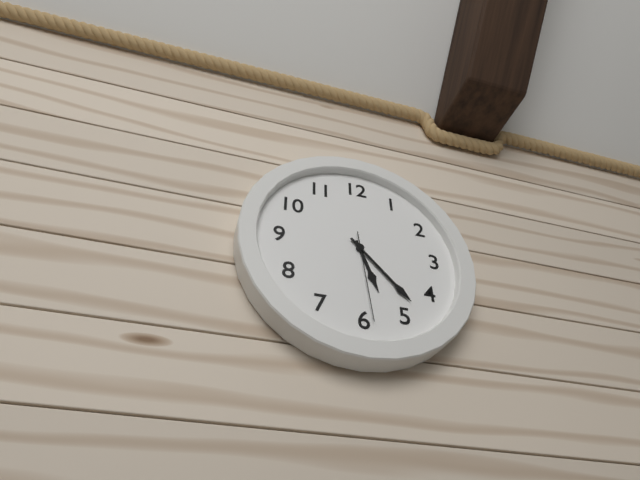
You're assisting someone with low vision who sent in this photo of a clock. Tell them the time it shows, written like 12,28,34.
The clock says 5,23,29
